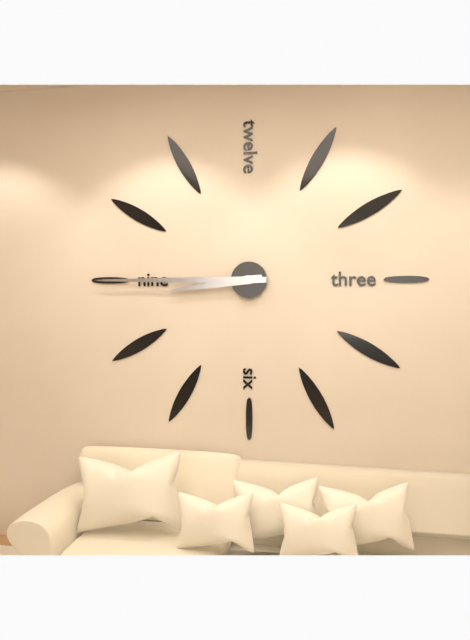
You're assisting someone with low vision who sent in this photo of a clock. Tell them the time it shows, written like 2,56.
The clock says 8,45
